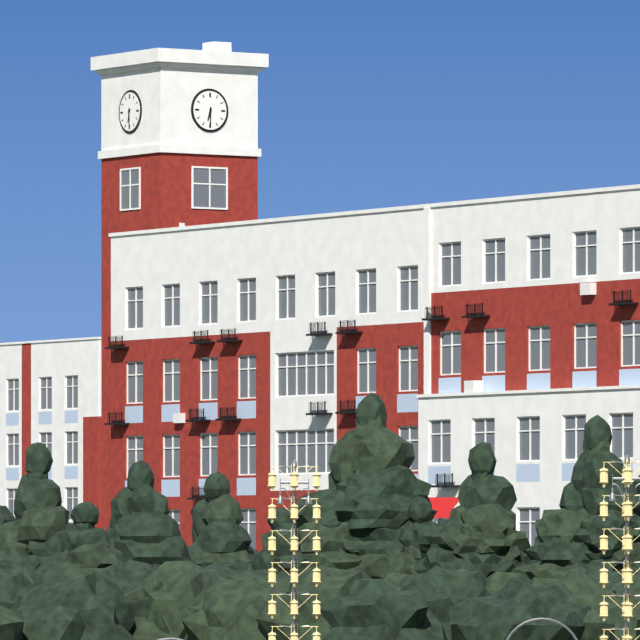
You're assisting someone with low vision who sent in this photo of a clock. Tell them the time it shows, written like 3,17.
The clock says 6,30
